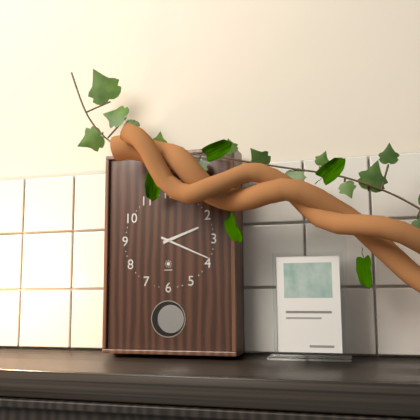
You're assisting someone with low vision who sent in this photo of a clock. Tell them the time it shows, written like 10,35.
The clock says 2,19
